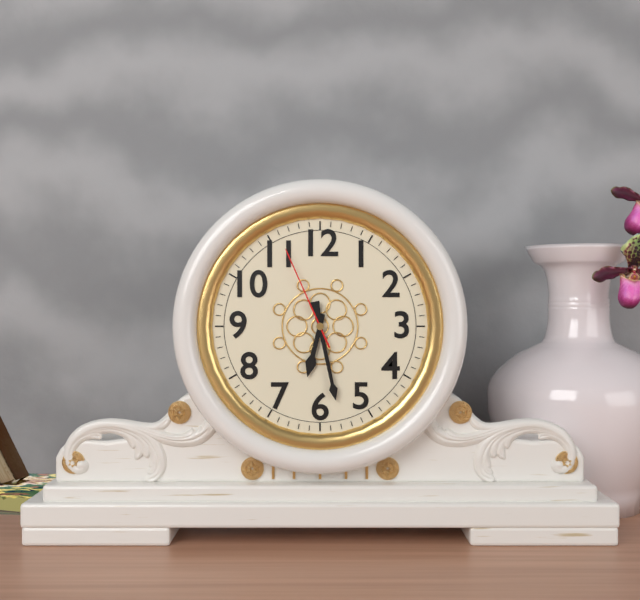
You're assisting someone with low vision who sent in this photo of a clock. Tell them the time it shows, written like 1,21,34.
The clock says 6,28,56
